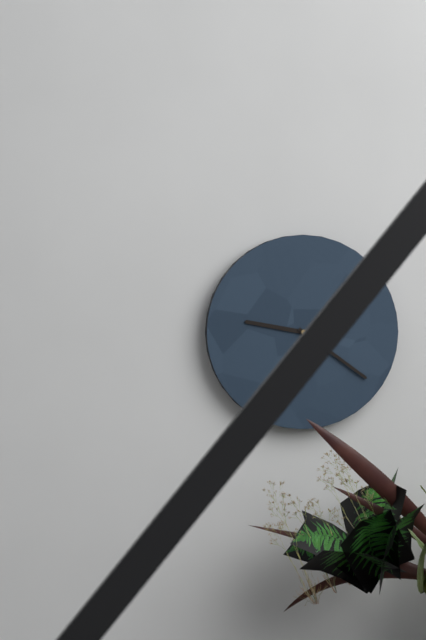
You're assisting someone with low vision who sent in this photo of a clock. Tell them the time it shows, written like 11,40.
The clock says 9,21
